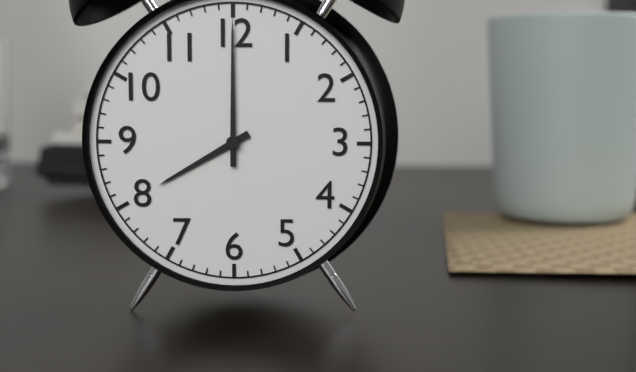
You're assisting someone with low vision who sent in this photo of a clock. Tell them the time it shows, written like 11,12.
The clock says 8,00
